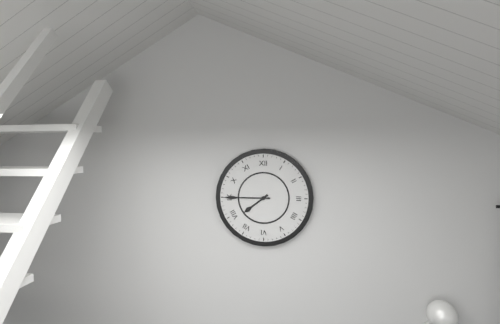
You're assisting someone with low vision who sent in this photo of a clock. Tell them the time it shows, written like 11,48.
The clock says 7,45
